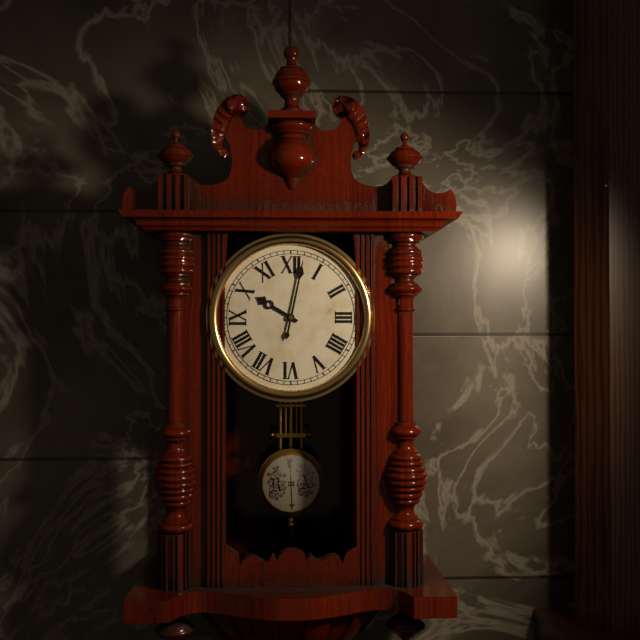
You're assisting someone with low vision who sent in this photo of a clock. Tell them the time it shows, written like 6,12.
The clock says 10,02
